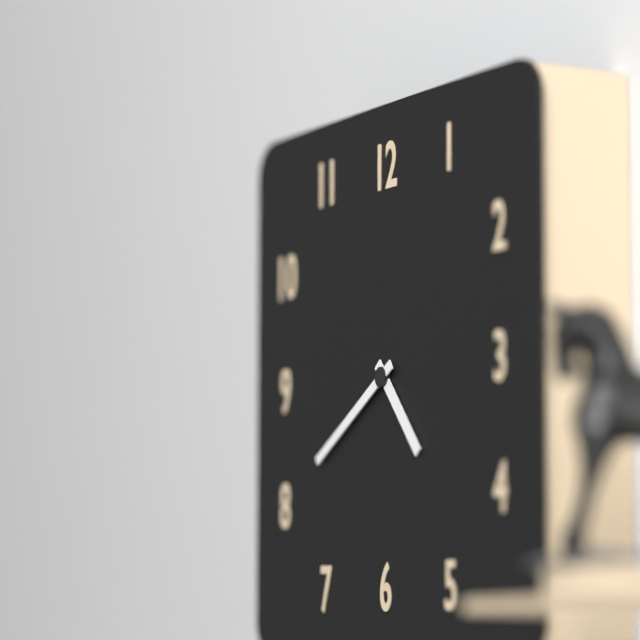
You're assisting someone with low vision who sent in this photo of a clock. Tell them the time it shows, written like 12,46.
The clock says 4,40
